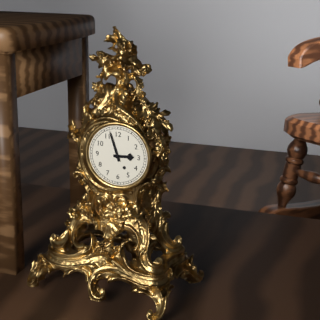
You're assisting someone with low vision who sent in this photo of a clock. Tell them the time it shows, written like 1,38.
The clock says 2,57
